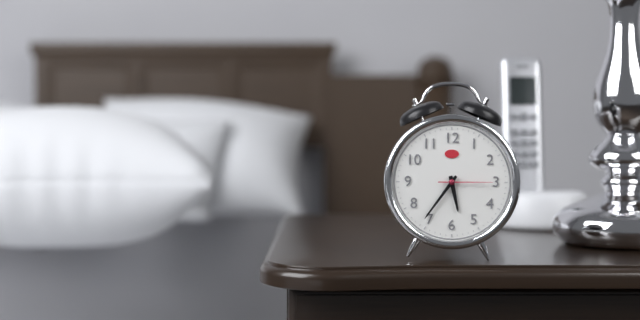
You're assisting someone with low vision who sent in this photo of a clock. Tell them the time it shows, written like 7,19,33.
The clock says 5,36,15
